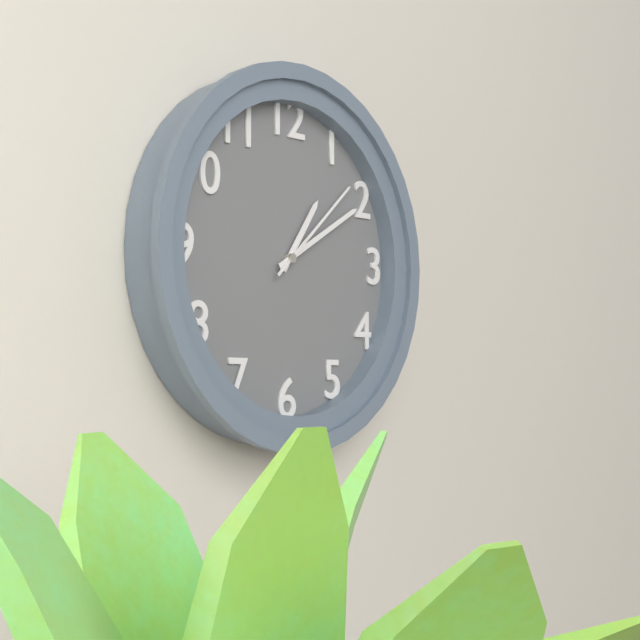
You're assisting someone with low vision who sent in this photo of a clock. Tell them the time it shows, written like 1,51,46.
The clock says 1,10,08
